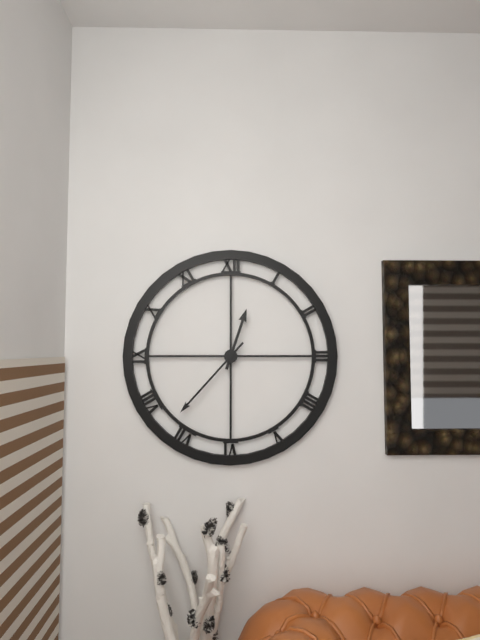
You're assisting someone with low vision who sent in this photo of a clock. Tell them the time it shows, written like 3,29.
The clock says 12,37
